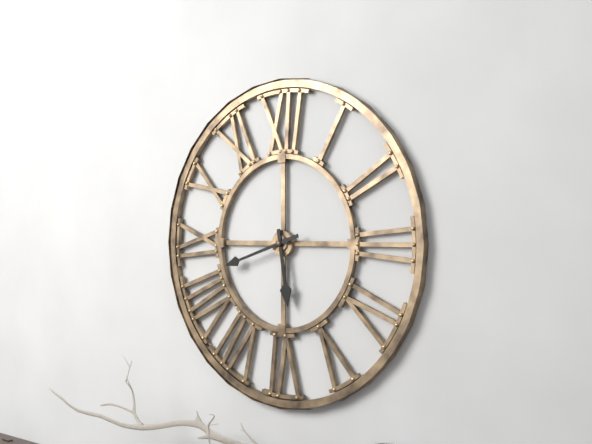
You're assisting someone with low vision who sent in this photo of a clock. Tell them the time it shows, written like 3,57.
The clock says 5,42
